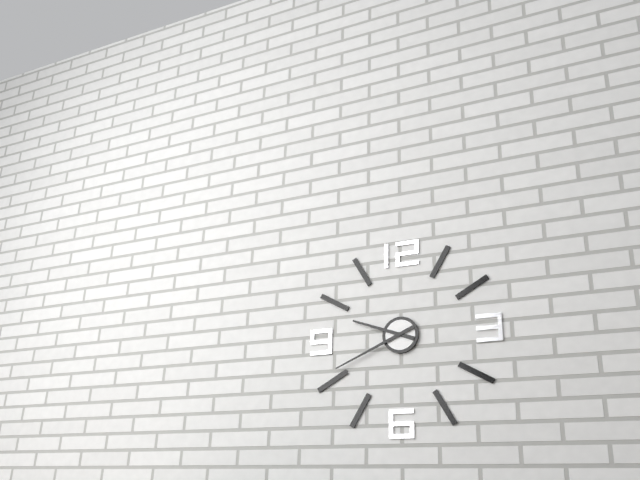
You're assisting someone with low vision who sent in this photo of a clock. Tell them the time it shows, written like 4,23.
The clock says 9,41
